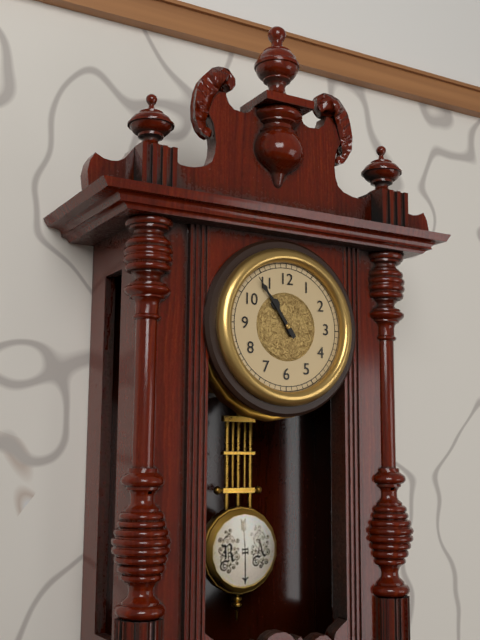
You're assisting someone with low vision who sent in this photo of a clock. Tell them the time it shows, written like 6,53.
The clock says 10,54
